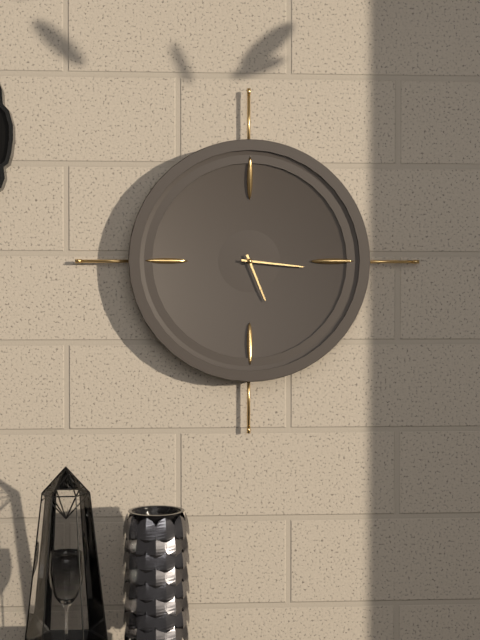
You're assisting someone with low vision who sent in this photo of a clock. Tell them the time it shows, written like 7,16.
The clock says 5,16
